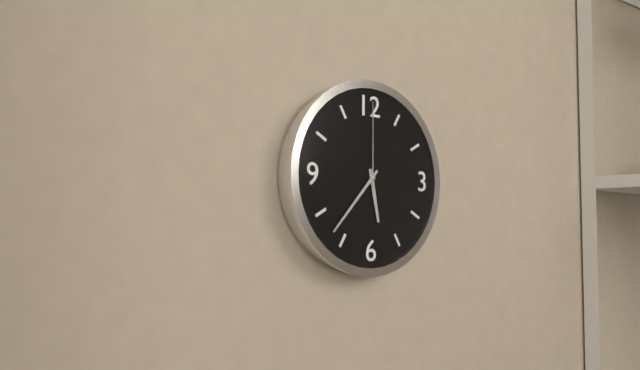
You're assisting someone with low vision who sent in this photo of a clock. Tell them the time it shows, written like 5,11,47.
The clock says 5,37,00
